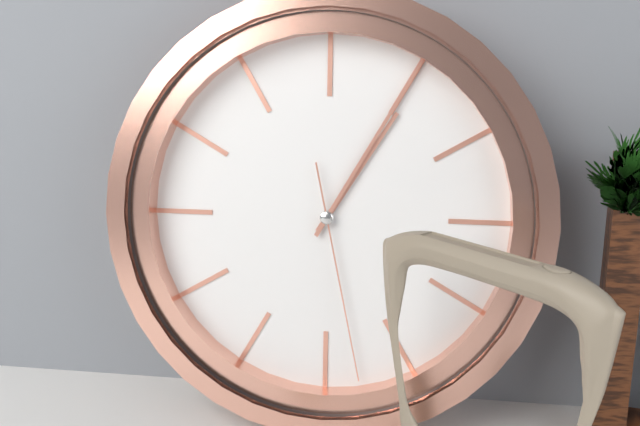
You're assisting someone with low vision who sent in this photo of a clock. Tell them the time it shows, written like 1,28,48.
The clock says 1,05,28
